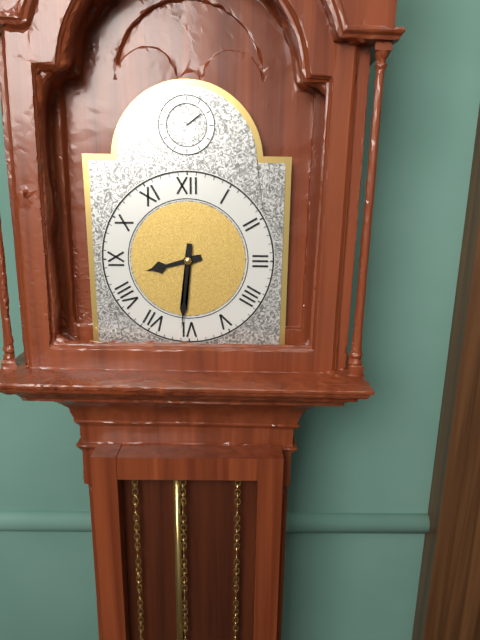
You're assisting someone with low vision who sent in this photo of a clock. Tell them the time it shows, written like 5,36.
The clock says 8,31
